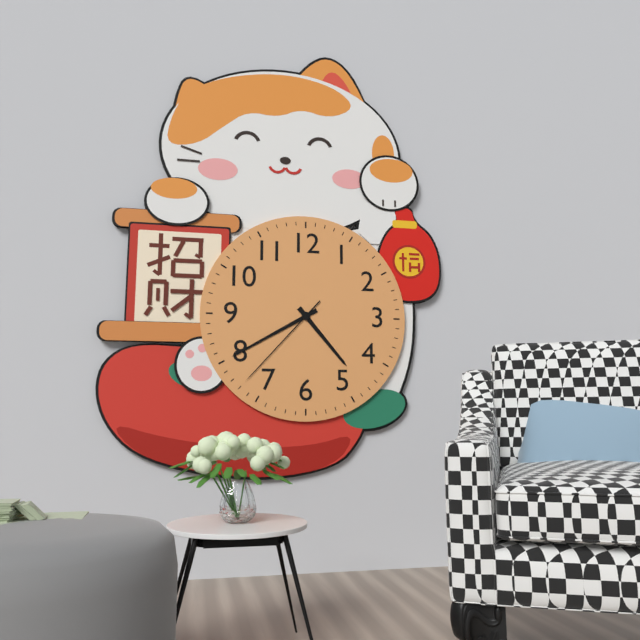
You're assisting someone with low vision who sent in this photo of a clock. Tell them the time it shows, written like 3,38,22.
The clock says 4,40,37
